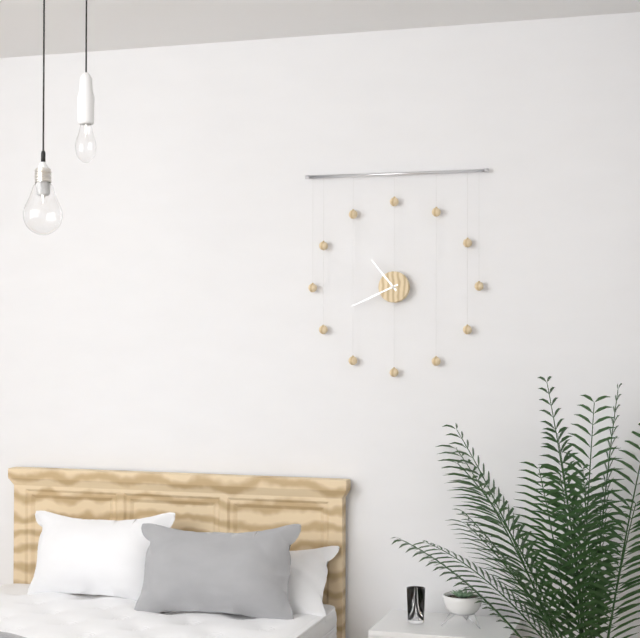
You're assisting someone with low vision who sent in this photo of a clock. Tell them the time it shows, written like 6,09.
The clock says 10,41
